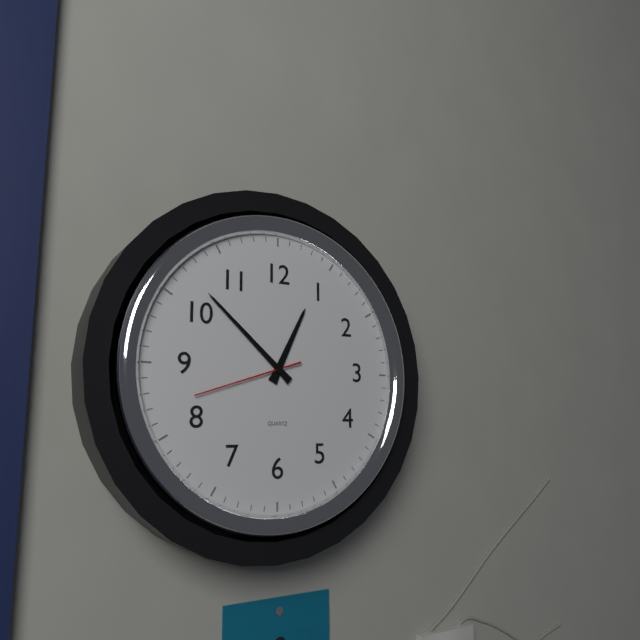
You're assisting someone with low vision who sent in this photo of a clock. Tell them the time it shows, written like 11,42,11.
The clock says 12,52,42
